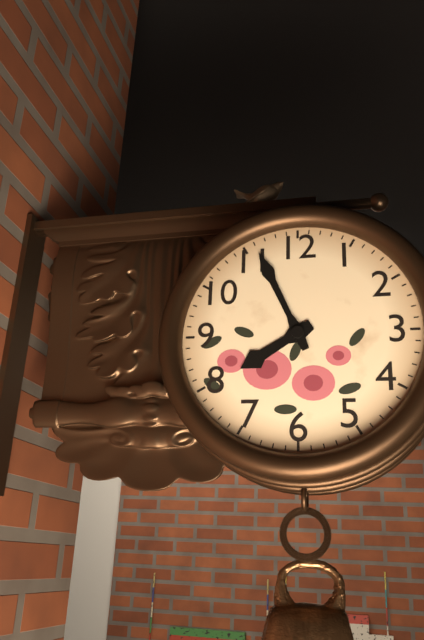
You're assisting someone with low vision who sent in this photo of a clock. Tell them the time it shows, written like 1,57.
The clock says 7,56
